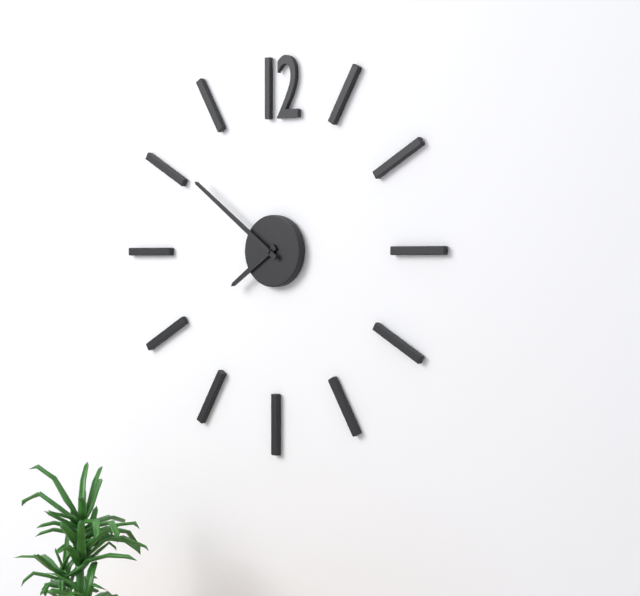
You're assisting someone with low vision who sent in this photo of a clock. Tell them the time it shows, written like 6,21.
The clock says 7,51
